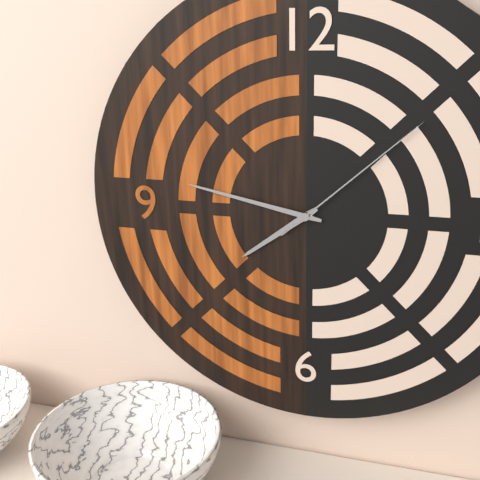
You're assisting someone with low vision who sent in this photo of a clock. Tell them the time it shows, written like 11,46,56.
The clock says 7,47,08
